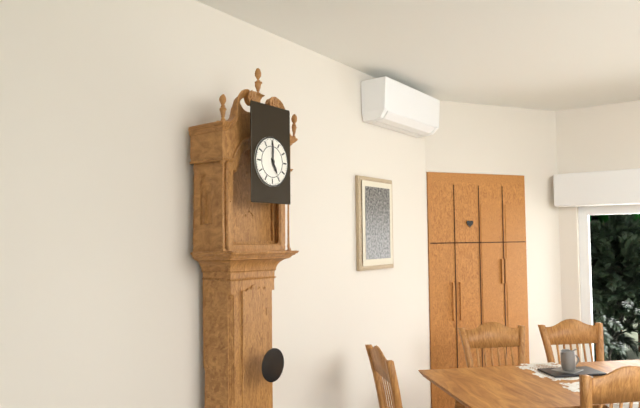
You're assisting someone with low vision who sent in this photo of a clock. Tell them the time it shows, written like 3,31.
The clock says 5,00
